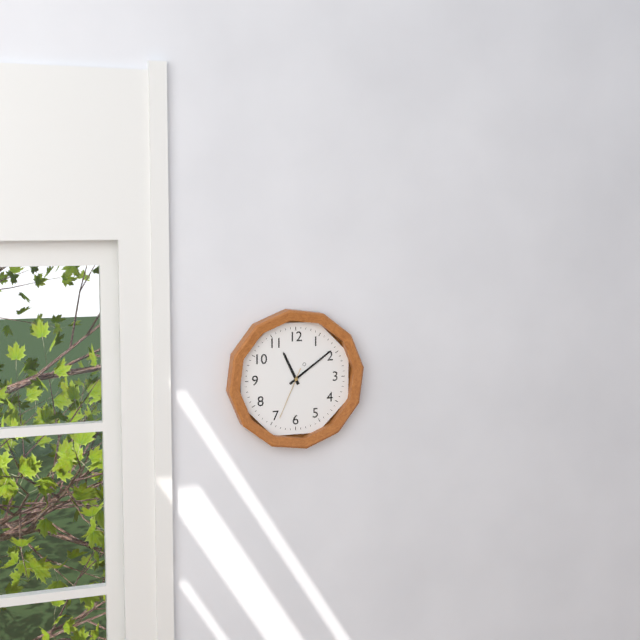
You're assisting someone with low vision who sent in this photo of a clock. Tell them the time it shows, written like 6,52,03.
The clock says 11,09,34
